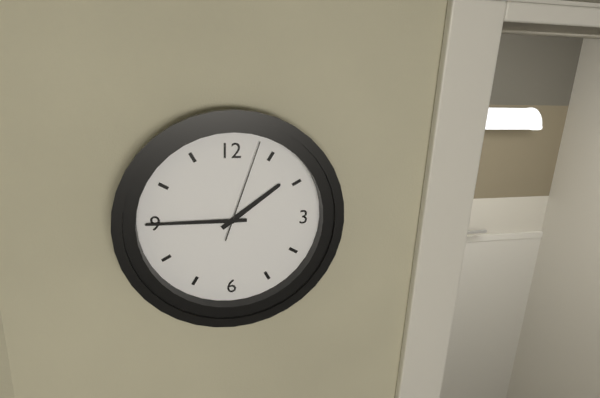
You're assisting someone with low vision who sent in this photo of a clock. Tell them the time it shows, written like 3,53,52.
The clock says 1,45,03
